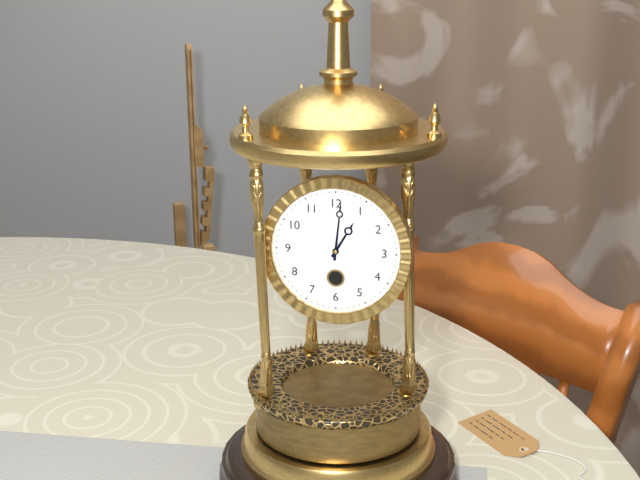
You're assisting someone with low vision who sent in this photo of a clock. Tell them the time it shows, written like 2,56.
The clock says 1,01
